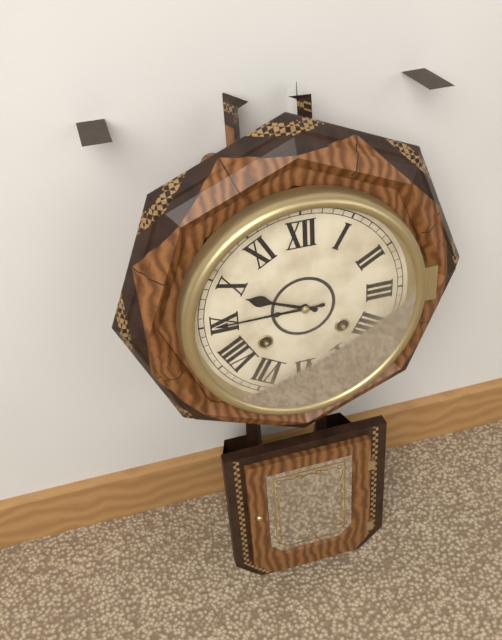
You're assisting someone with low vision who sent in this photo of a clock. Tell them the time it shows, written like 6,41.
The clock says 9,45
